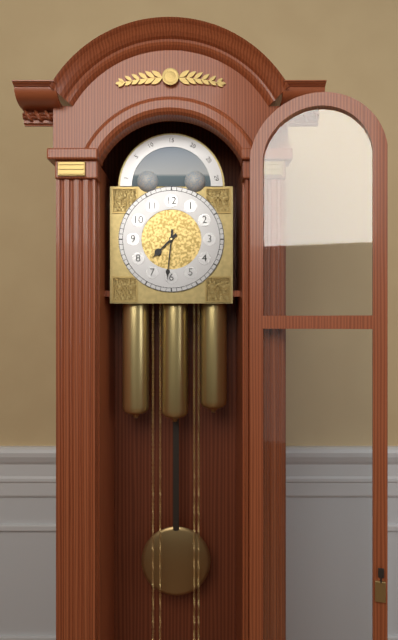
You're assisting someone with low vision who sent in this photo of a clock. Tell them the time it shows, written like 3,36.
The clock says 7,31
